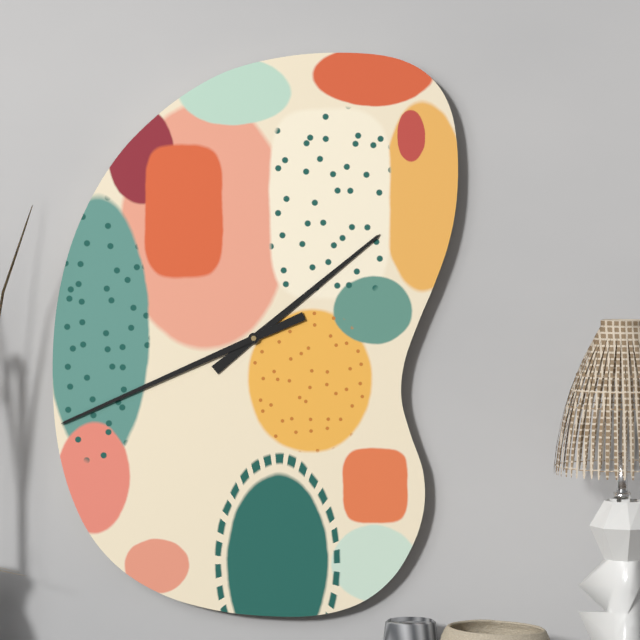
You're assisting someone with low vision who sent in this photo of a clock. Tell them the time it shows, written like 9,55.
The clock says 1,41
